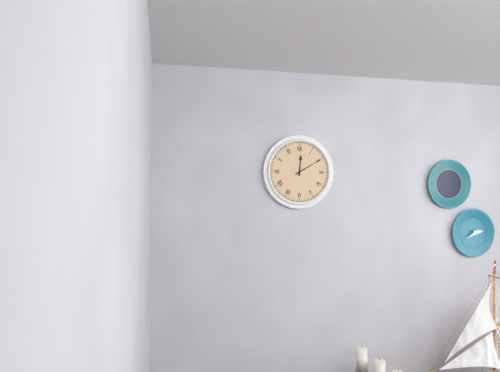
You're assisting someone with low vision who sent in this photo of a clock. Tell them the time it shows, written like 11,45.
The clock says 12,10
